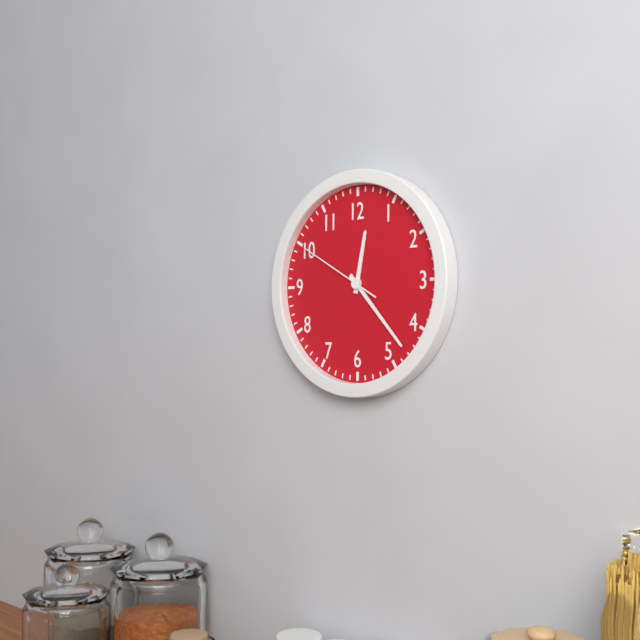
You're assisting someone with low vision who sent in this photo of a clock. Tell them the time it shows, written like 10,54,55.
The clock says 12,23,50
